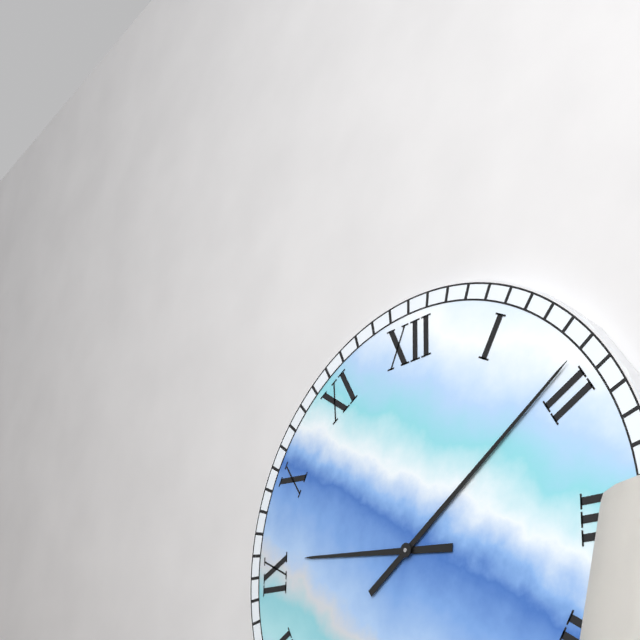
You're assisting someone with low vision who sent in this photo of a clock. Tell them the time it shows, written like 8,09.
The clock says 9,09
